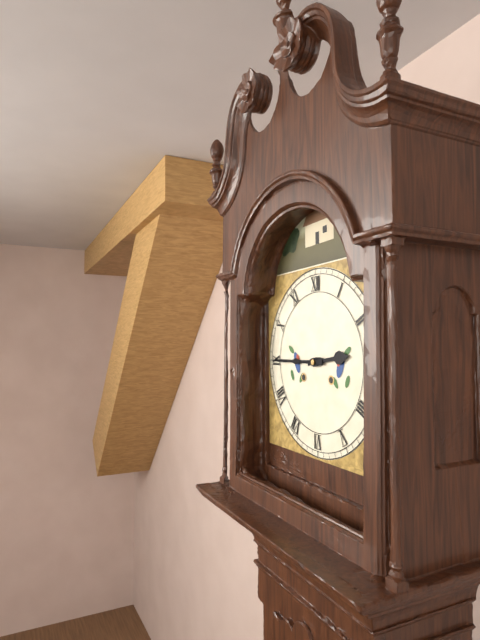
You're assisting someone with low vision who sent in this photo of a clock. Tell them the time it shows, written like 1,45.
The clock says 2,45
